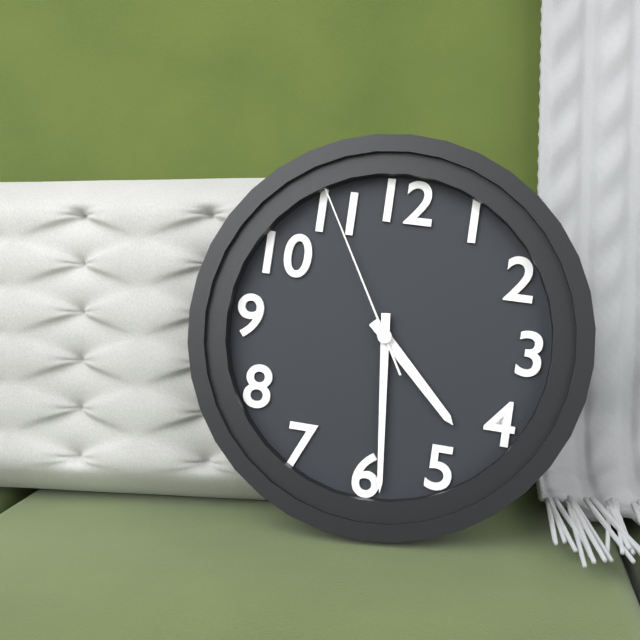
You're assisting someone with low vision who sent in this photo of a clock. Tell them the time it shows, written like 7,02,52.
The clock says 4,29,55
